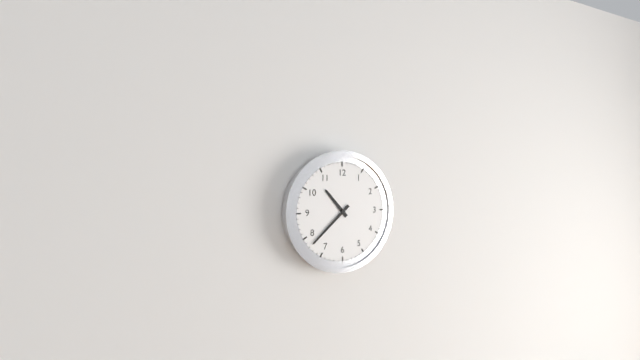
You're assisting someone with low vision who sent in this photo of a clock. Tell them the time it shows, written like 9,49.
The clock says 10,38
